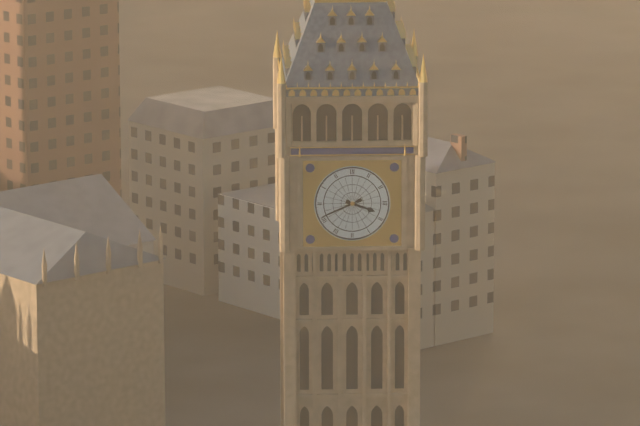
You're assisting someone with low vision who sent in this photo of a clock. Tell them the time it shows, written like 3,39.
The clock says 3,41
